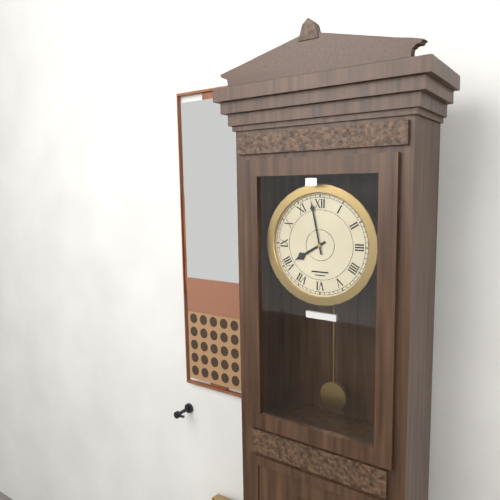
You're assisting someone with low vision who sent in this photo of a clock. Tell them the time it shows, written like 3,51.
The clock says 7,58
